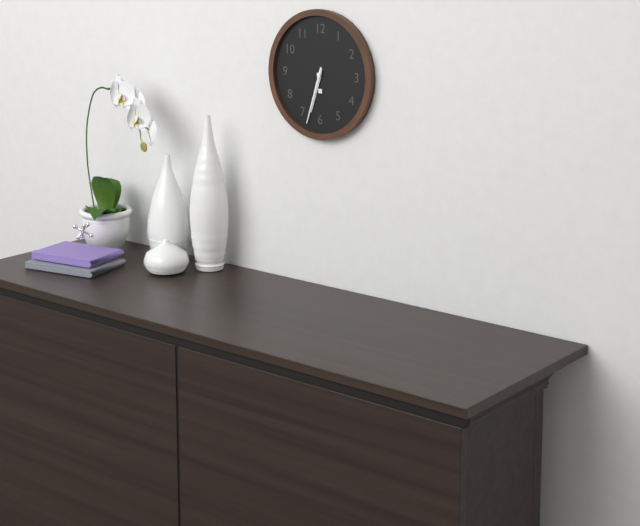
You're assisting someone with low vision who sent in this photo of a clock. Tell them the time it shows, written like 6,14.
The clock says 6,33
